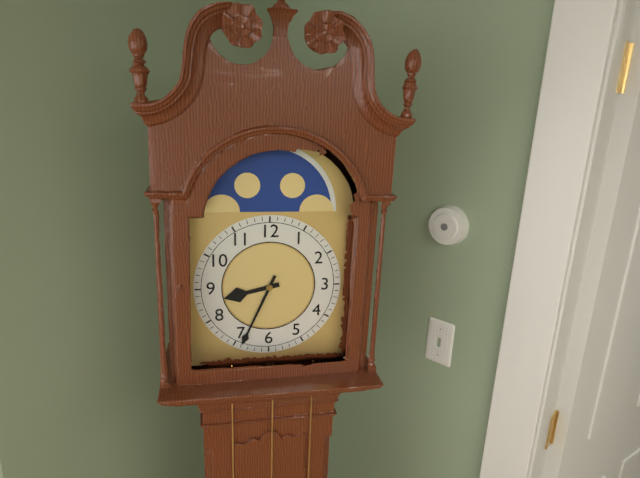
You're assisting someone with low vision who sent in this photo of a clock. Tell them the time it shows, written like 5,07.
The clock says 8,34
